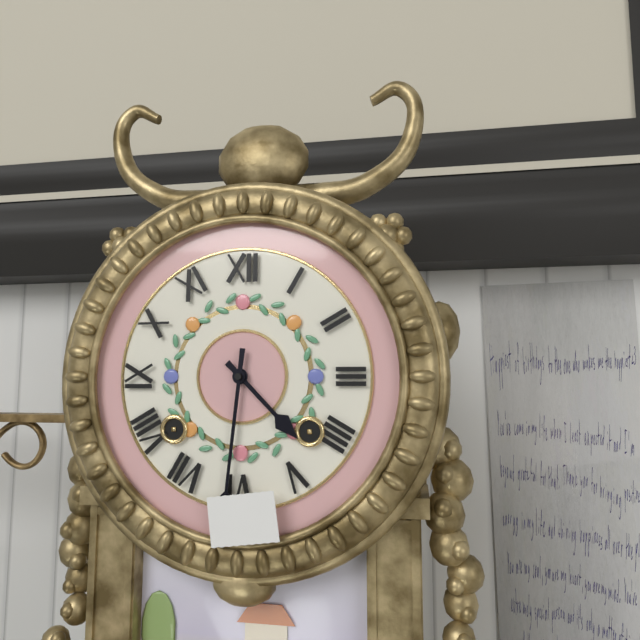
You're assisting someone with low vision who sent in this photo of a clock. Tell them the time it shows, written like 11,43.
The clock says 4,31
